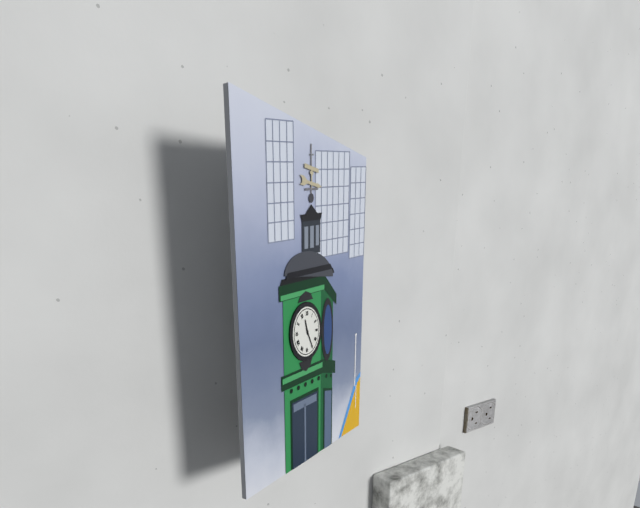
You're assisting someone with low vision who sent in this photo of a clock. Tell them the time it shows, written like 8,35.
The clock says 11,25
